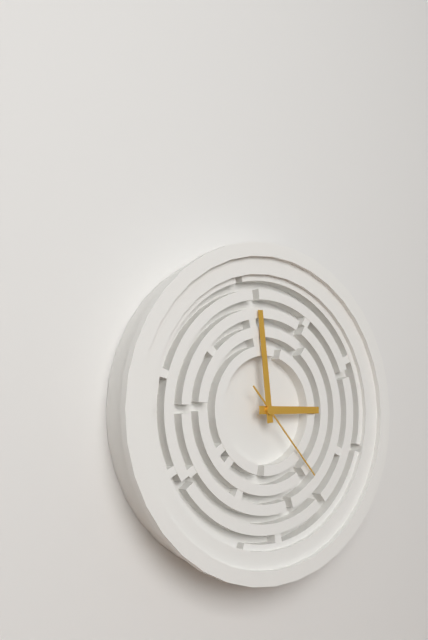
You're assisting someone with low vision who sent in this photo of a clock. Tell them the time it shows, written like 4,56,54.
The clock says 2,59,23
